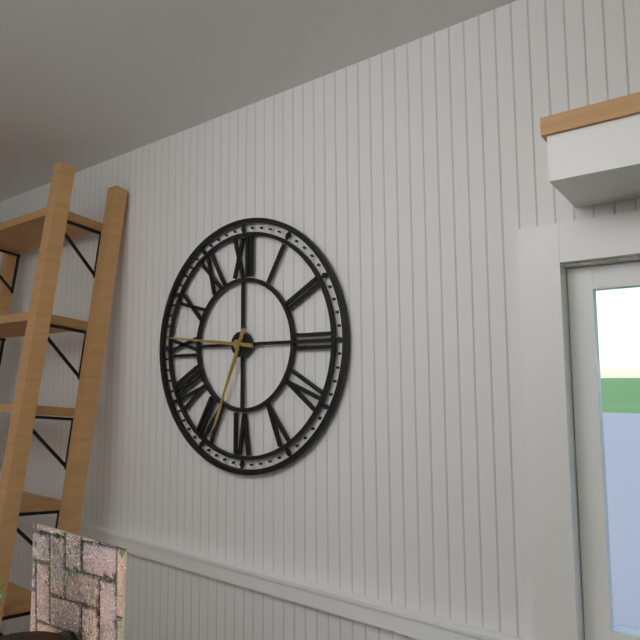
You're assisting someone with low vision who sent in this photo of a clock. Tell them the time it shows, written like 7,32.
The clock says 6,46
